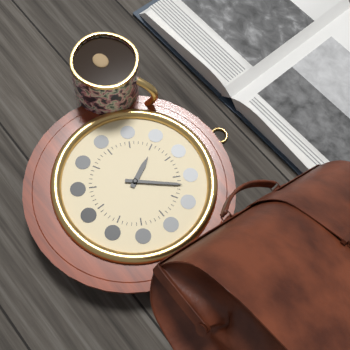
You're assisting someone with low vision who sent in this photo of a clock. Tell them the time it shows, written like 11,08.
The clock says 11,07
